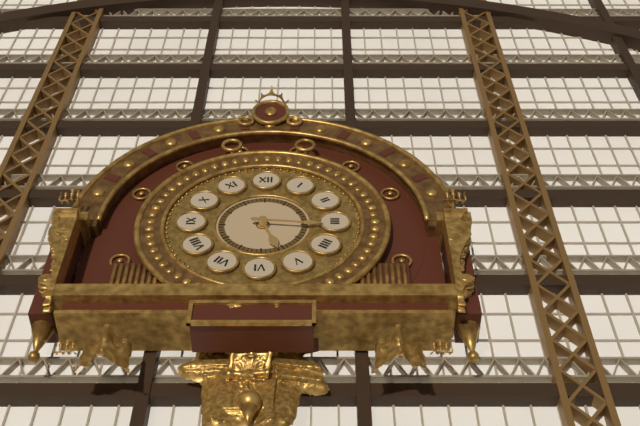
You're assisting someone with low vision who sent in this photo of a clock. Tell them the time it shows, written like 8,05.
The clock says 5,16
